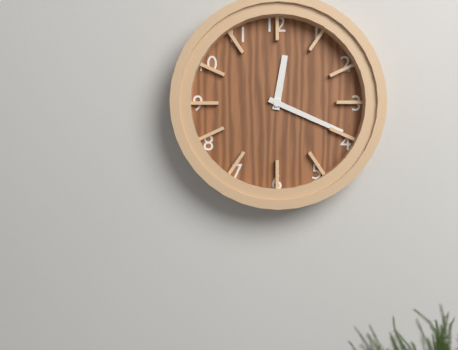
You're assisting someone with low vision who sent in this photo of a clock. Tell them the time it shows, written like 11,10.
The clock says 12,19
